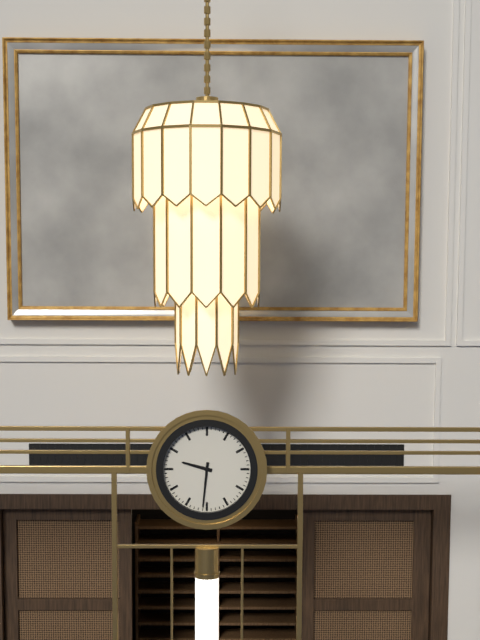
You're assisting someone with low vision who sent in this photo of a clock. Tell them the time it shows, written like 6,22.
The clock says 9,31
